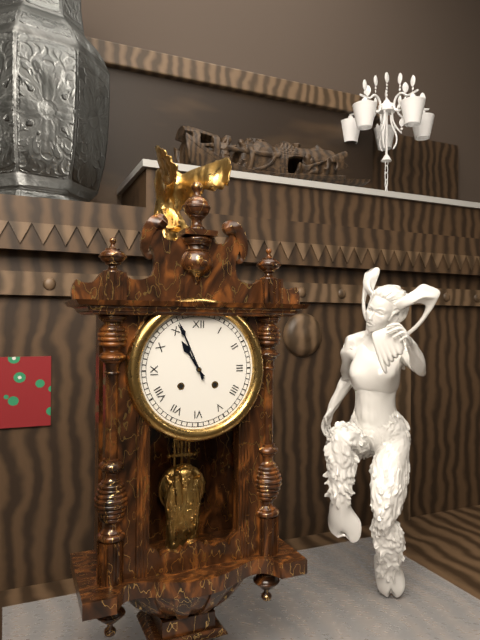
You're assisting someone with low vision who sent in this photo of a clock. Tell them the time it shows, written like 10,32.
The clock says 10,56
